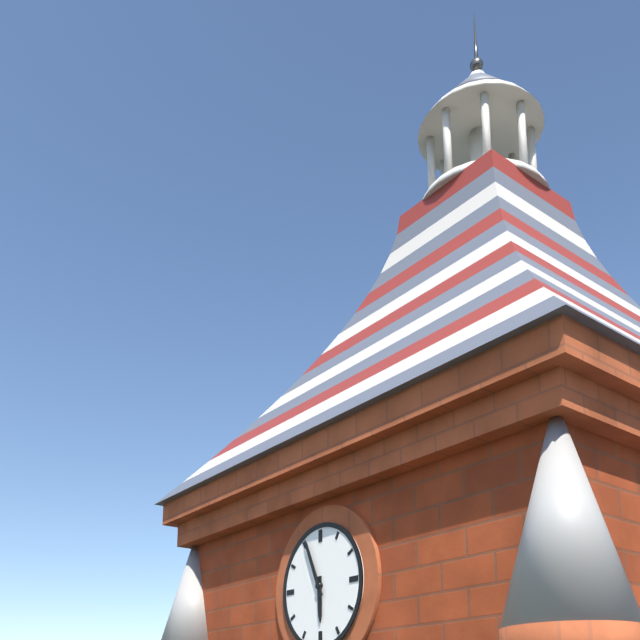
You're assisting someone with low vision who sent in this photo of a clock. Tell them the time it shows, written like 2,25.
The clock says 5,56
